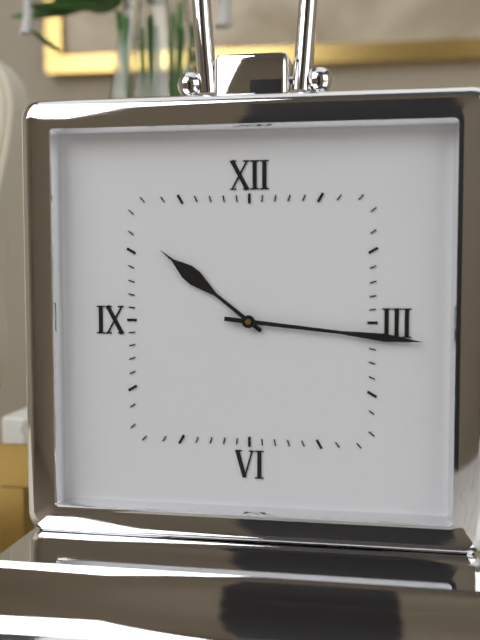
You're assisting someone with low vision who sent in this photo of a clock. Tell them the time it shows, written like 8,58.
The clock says 10,16
